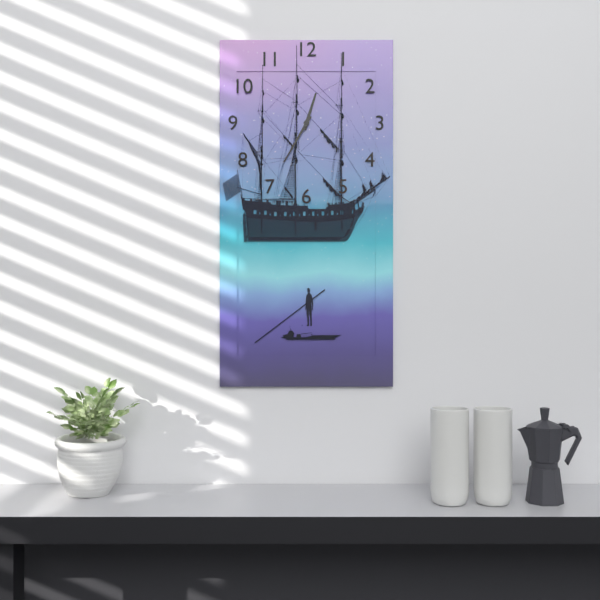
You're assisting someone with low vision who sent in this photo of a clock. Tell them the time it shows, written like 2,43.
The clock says 12,35
